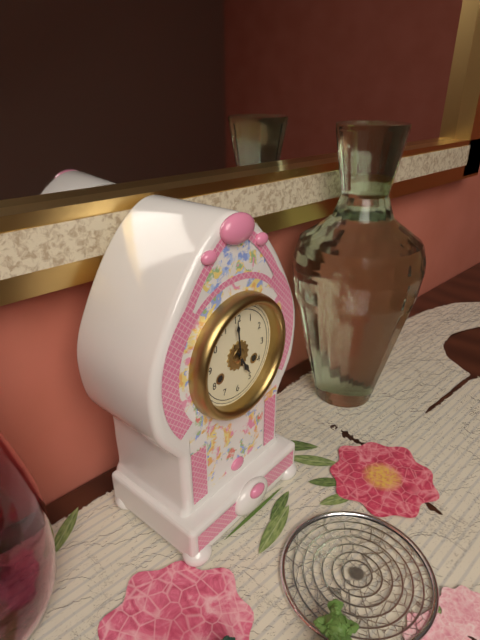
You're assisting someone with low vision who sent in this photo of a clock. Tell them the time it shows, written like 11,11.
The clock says 4,59
